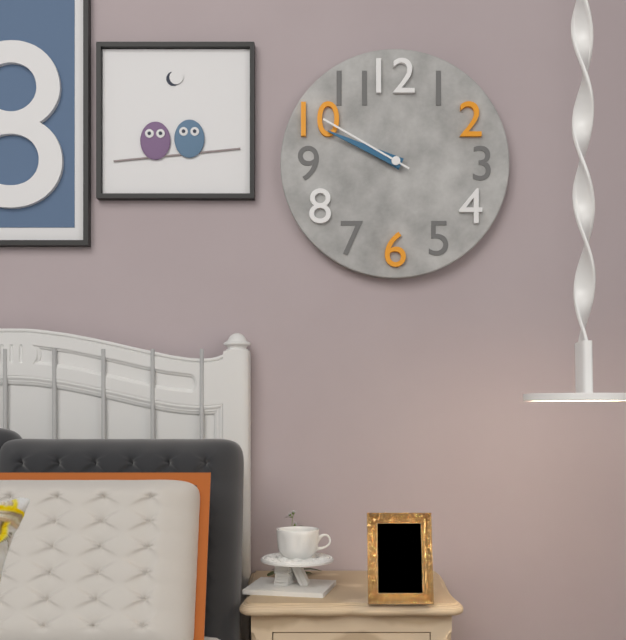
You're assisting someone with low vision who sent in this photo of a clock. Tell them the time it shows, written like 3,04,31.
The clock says 9,49,50
